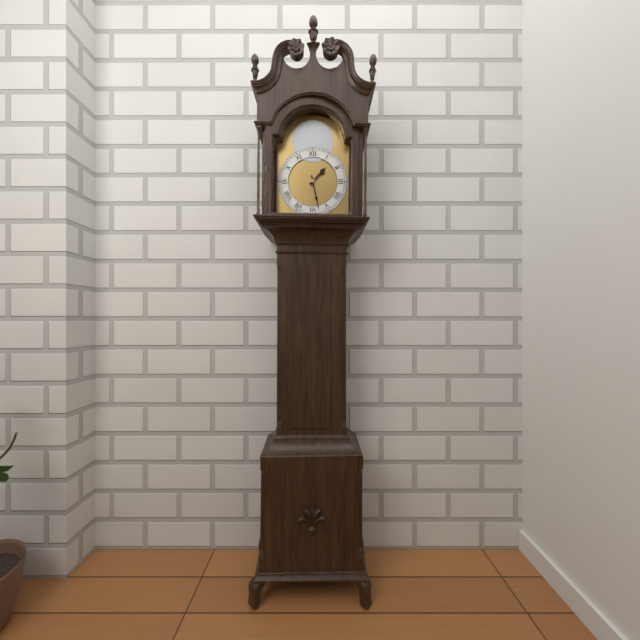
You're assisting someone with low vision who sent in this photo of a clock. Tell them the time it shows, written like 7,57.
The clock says 1,28
